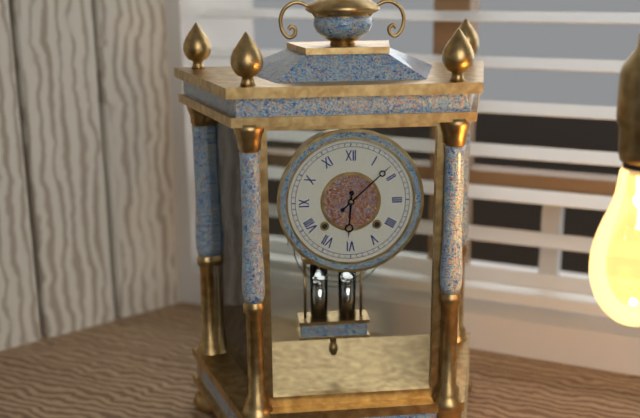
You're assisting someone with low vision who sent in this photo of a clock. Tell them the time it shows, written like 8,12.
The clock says 6,08
